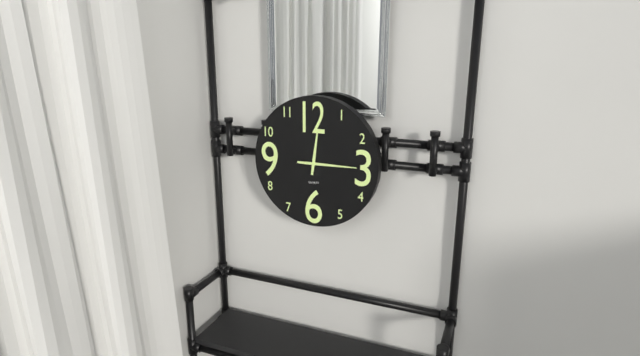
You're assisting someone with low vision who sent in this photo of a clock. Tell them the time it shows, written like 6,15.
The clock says 12,15
